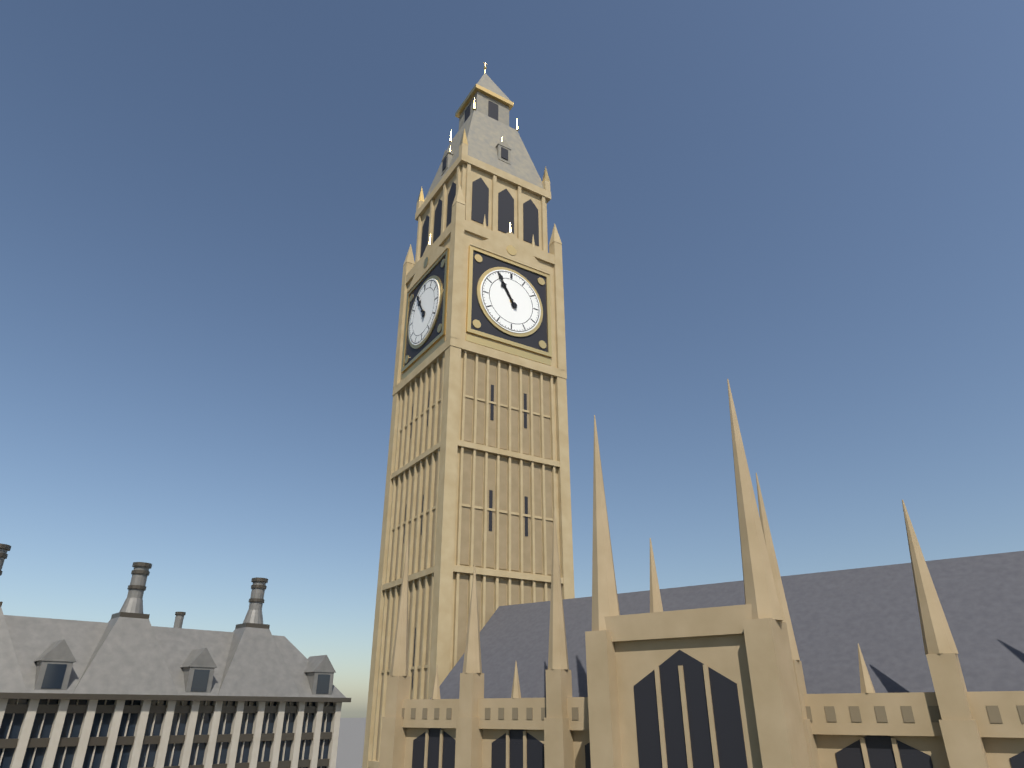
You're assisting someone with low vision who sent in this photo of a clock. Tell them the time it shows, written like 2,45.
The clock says 10,55
